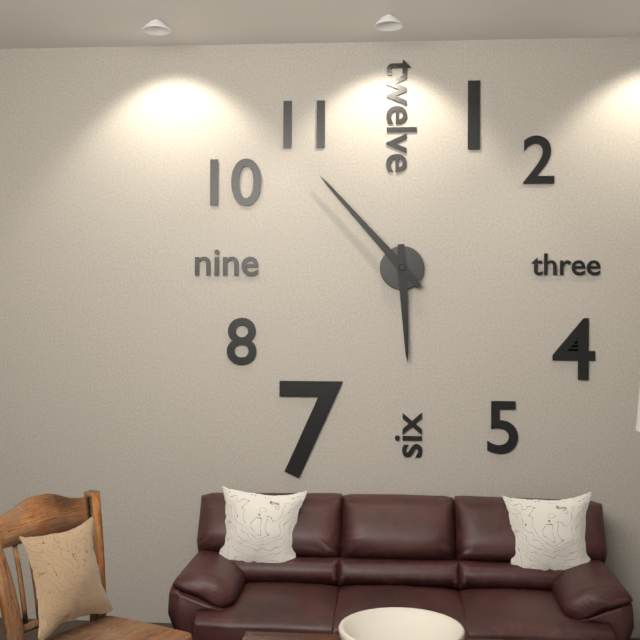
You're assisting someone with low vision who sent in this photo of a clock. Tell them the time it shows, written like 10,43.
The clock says 5,53
